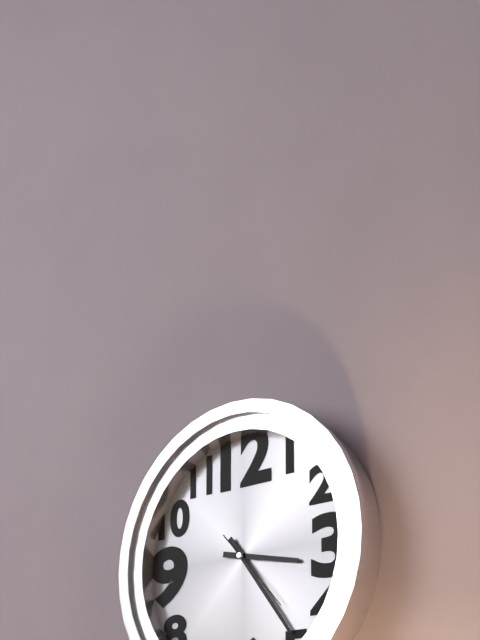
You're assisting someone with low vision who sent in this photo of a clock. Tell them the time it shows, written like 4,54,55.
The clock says 3,24,23
